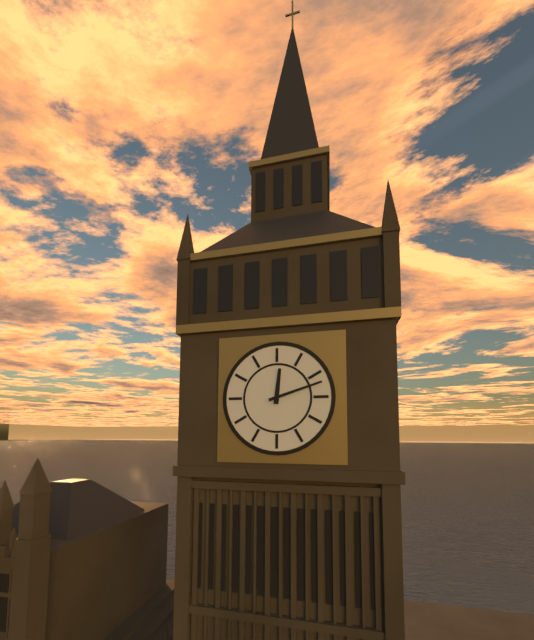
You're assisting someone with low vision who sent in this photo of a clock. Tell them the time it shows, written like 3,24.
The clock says 12,12
